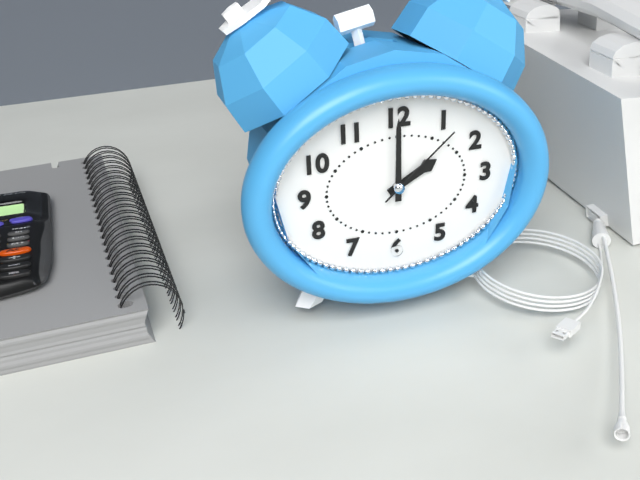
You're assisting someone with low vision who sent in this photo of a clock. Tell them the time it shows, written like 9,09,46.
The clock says 2,00,08
